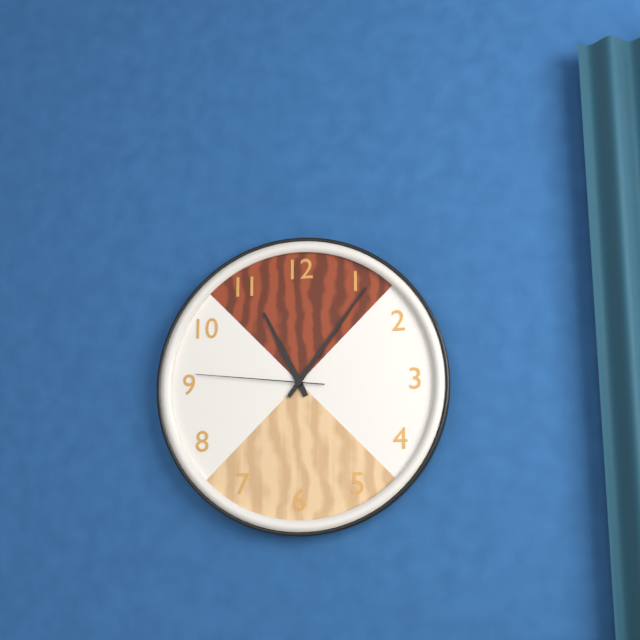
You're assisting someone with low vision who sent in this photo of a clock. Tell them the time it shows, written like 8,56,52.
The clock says 11,06,46
